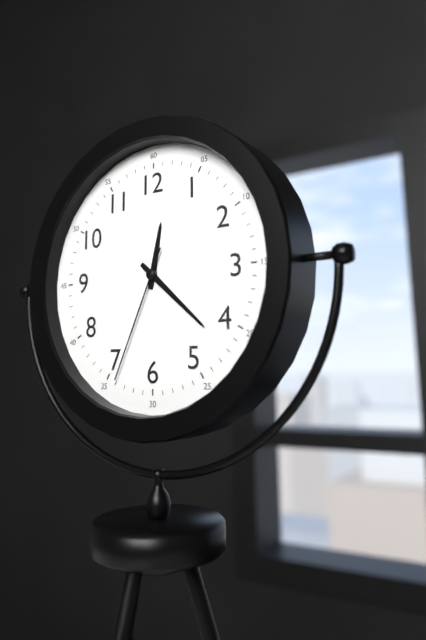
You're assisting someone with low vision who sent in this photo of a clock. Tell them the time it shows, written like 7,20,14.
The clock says 12,22,34
